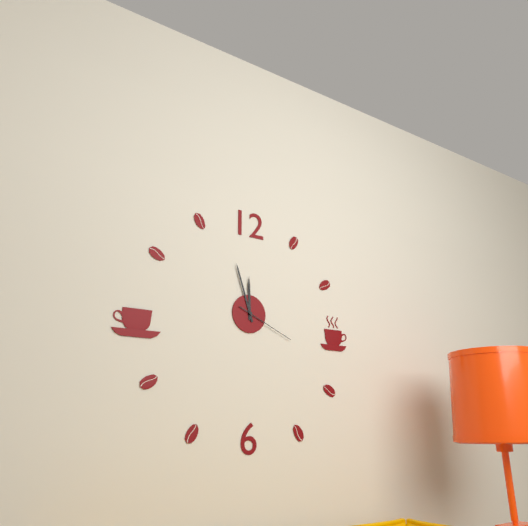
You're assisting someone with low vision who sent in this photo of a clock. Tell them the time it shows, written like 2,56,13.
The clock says 11,57,19
